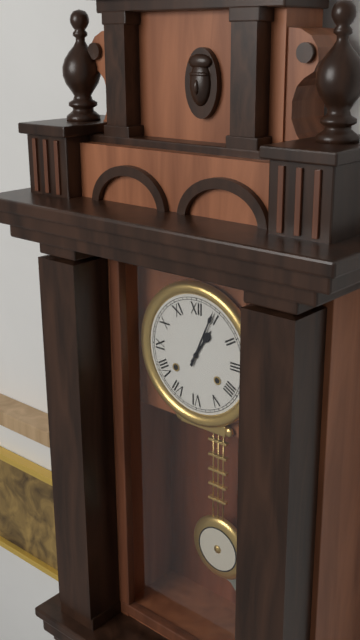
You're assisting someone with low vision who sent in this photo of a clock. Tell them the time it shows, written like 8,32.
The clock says 1,04
